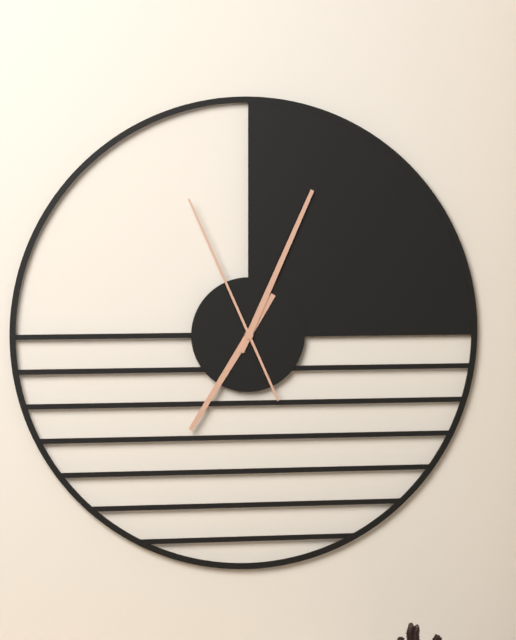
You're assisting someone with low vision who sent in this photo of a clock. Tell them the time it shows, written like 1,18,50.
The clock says 7,04,56
